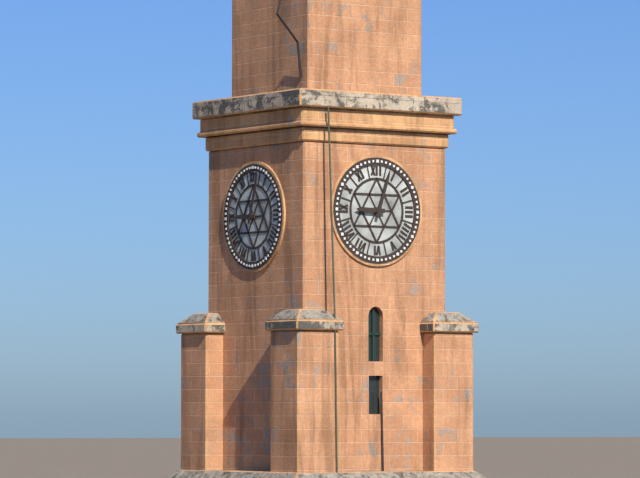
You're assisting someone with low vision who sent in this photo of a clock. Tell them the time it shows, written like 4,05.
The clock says 9,03
